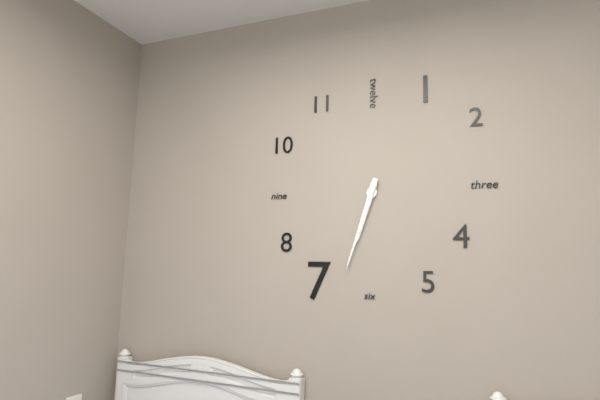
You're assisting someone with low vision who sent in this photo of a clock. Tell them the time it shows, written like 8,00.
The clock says 6,33
